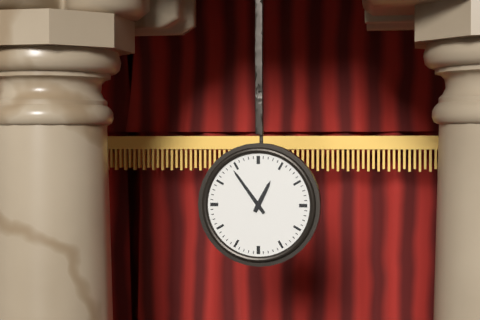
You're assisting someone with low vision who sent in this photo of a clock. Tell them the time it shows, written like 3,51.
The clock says 12,54
